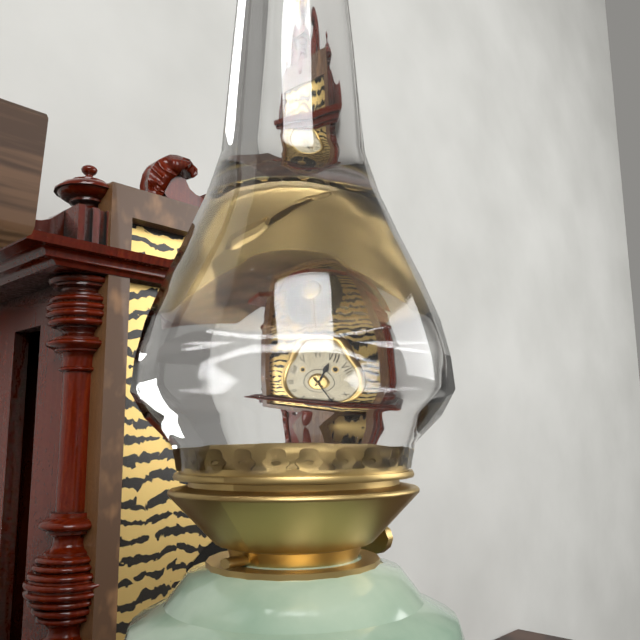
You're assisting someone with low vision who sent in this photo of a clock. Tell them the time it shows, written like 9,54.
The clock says 6,55
